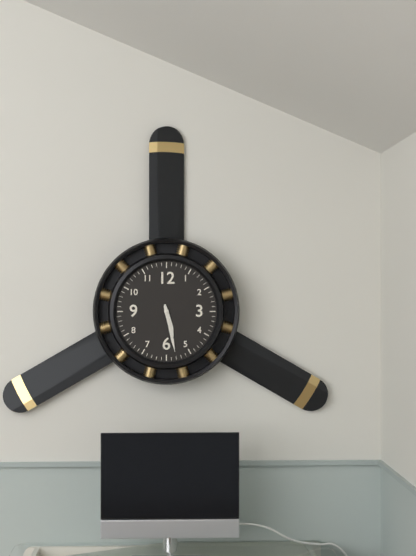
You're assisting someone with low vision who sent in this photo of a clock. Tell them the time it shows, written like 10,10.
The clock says 5,28
